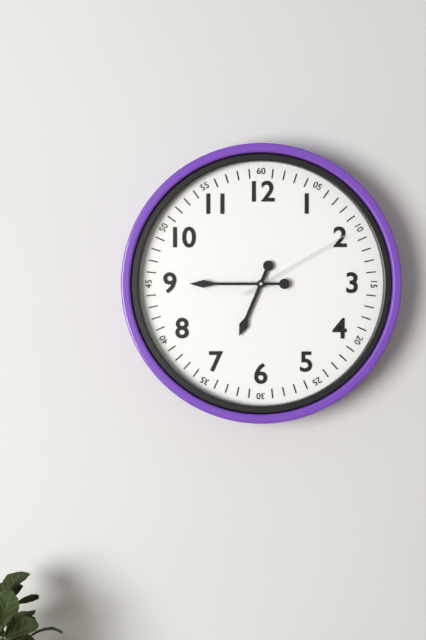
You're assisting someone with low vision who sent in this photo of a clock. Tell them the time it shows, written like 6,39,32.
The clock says 6,45,10
